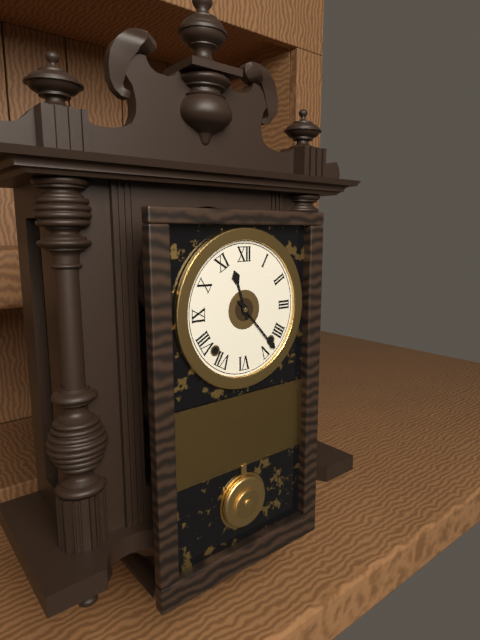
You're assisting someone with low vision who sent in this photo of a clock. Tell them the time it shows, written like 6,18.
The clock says 11,23
